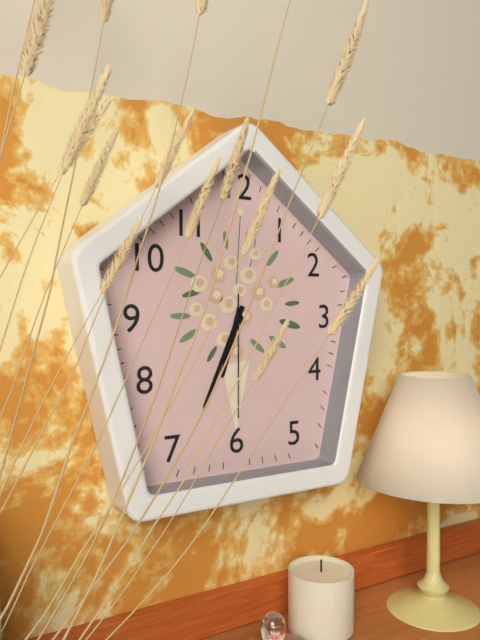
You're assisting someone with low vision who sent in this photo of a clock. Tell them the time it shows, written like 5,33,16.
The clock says 6,34,30
